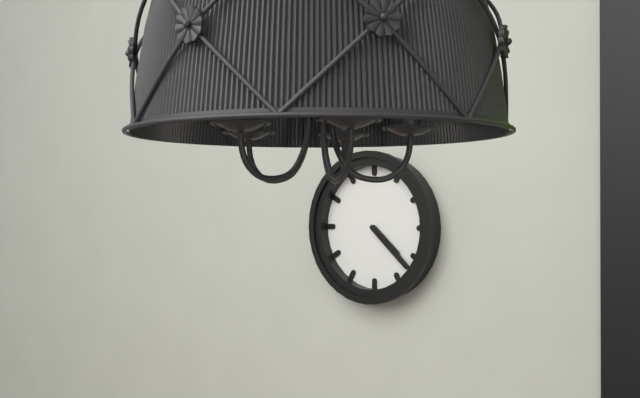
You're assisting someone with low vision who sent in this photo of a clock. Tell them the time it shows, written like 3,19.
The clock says 4,22
